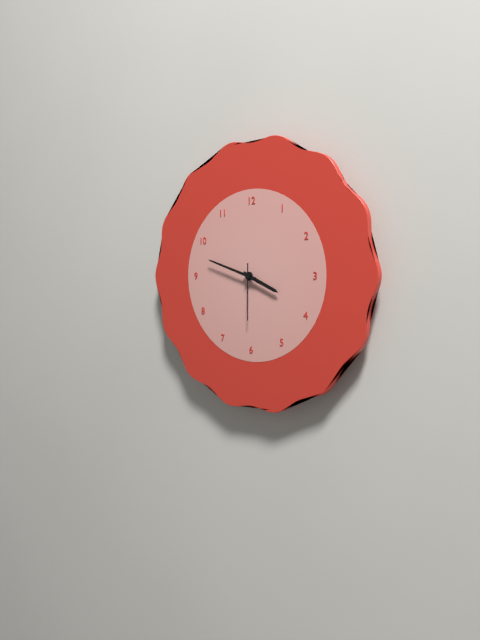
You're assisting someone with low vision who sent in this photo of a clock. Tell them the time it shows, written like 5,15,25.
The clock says 3,48,30
